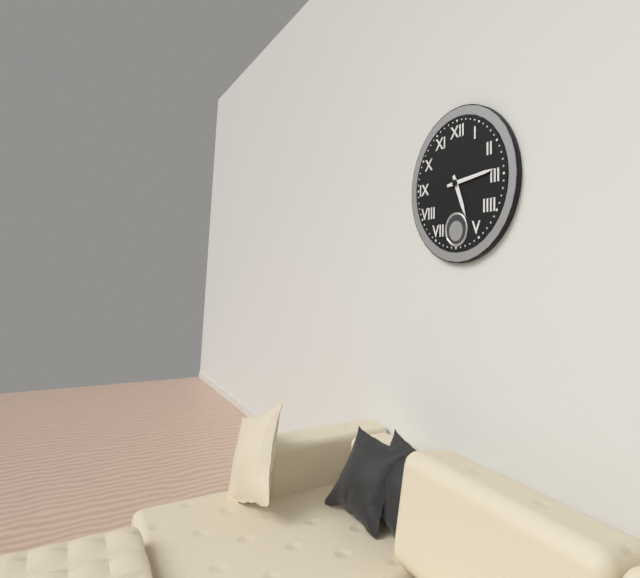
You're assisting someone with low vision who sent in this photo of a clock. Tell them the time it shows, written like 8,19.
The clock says 5,14
